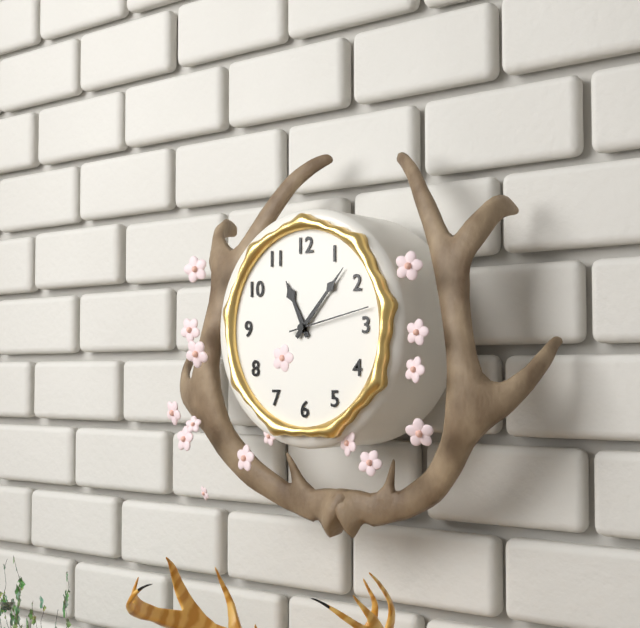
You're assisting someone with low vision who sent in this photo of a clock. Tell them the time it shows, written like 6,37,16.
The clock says 11,07,13
